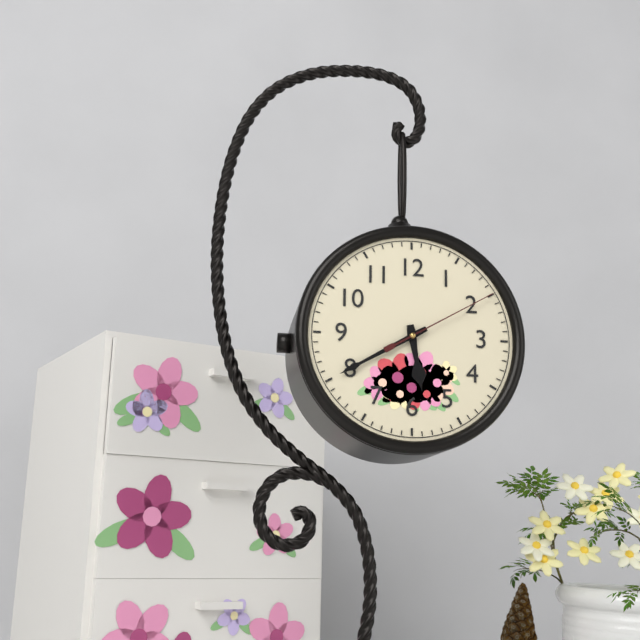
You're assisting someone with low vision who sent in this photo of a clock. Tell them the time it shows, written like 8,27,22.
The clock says 5,40,10
